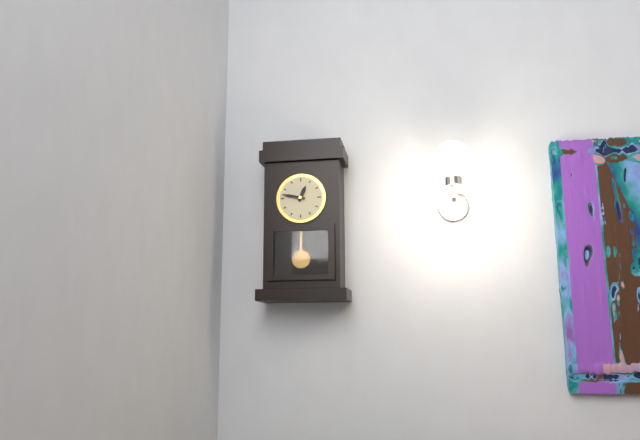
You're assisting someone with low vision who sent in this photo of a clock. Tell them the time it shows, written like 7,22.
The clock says 12,47
